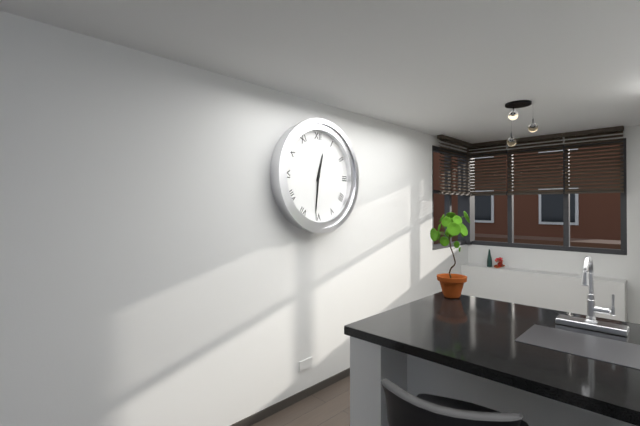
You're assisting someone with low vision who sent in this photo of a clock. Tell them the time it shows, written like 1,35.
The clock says 12,31
